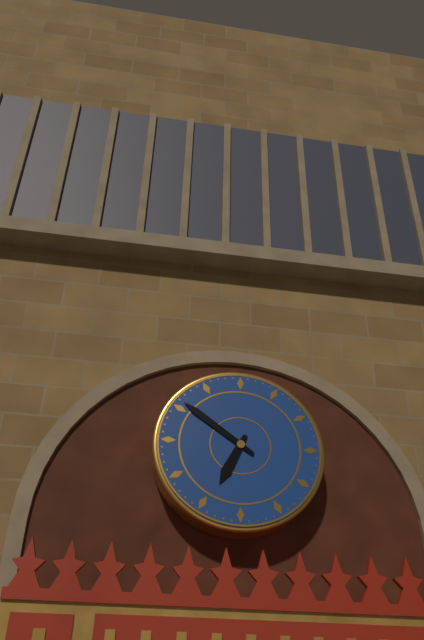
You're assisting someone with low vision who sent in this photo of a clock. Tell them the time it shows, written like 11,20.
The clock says 6,51
